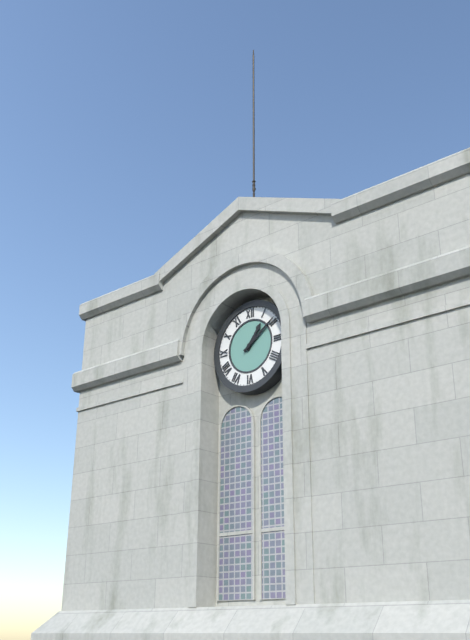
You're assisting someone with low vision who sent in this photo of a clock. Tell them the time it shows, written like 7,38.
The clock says 1,09
